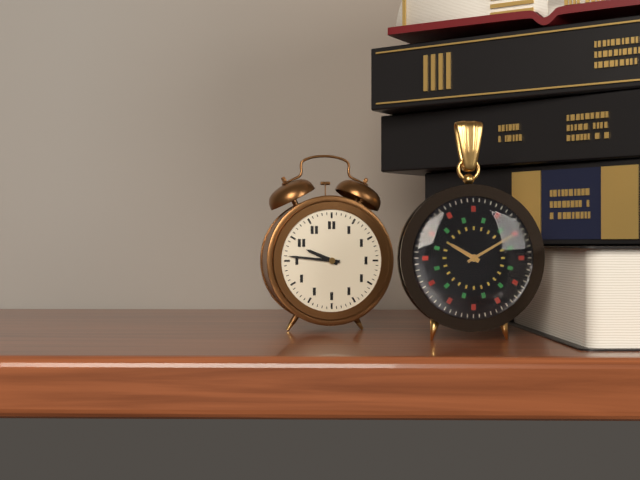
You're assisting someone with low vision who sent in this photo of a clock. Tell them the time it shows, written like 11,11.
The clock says 9,46
